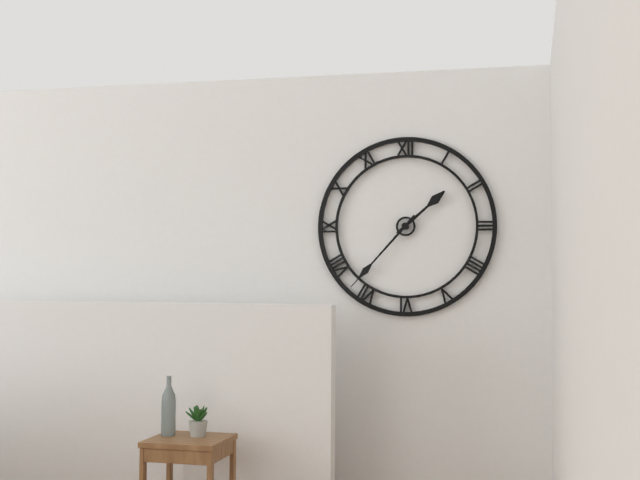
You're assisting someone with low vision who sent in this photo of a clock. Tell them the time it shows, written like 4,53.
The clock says 1,37
